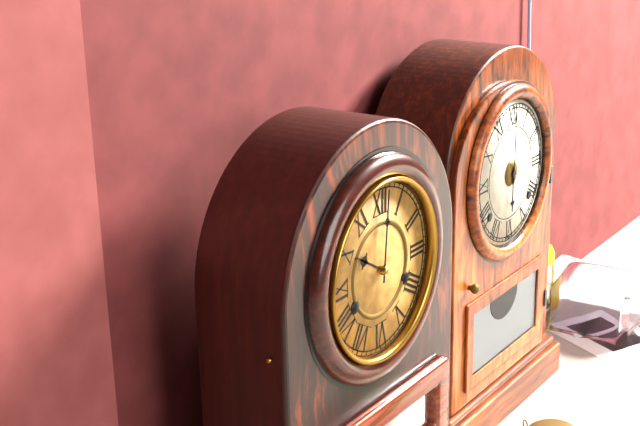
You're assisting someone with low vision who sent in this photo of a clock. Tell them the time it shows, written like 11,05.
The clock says 10,01
